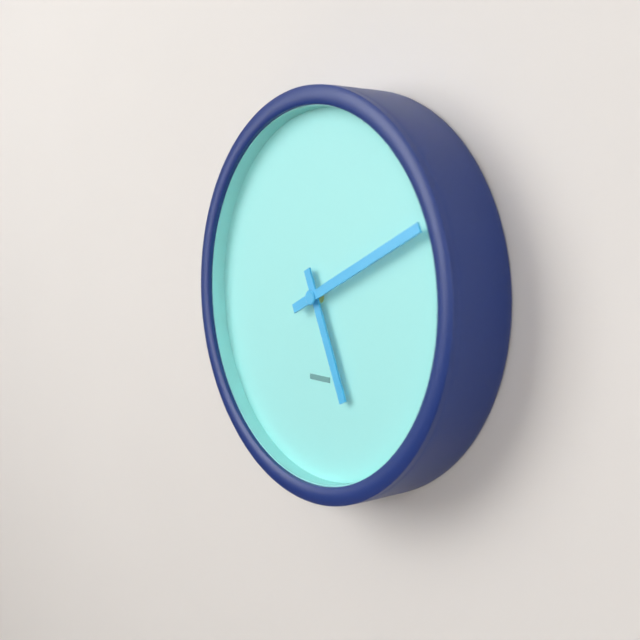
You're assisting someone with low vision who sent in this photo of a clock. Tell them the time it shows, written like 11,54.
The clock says 5,11
